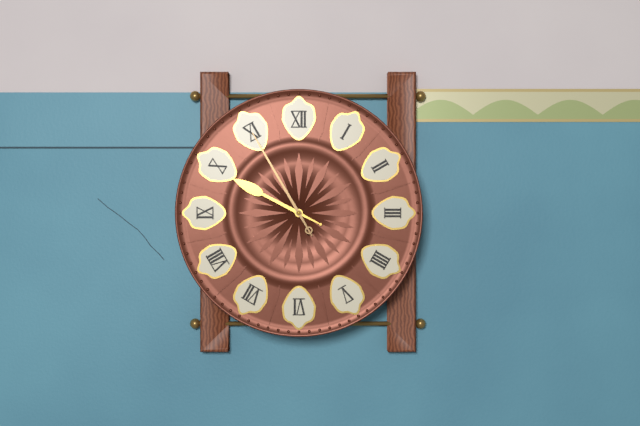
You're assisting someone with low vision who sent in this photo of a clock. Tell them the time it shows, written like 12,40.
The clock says 9,55
